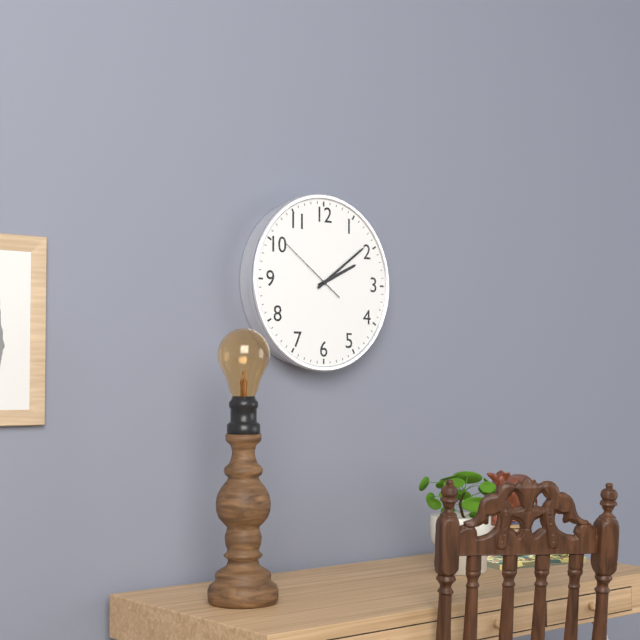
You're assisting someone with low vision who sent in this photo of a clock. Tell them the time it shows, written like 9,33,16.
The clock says 2,09,51
